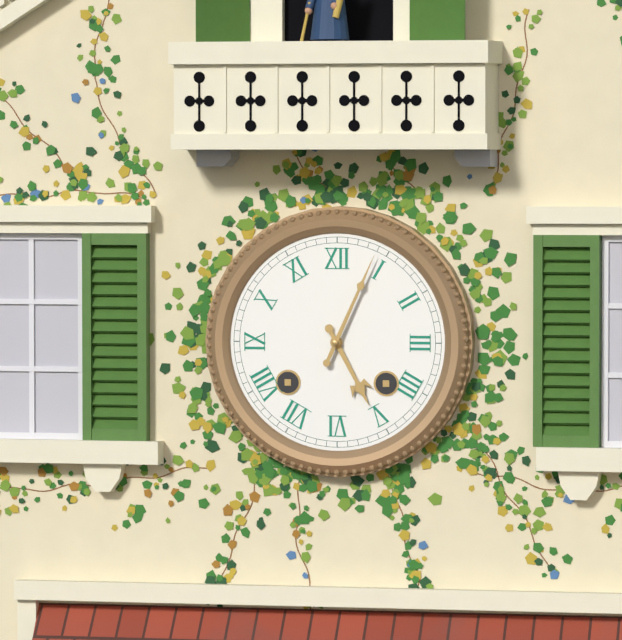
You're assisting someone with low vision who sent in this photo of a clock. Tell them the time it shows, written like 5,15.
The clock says 5,04
